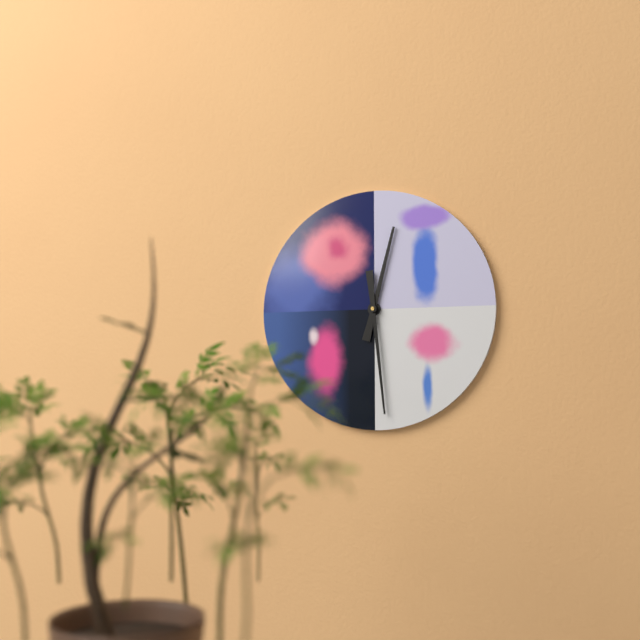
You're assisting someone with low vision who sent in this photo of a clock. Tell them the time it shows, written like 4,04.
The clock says 12,29
